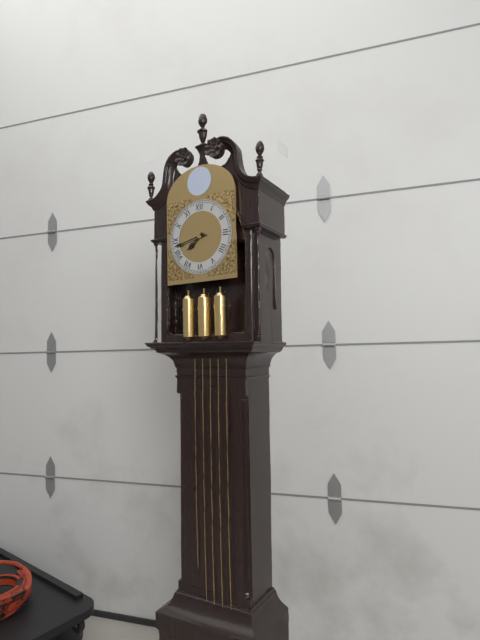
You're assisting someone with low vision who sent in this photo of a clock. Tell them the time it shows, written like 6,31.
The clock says 7,43
